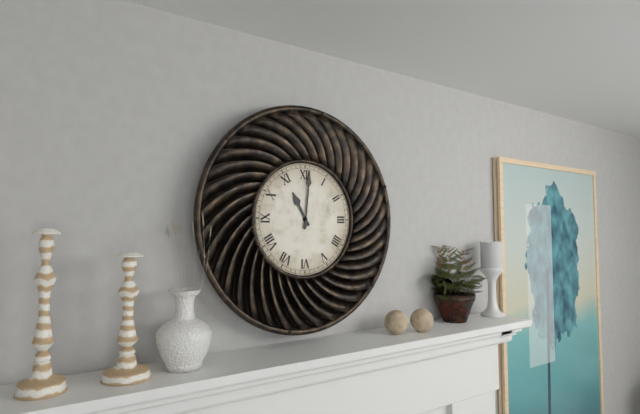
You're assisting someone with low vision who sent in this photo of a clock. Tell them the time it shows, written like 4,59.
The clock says 11,01
